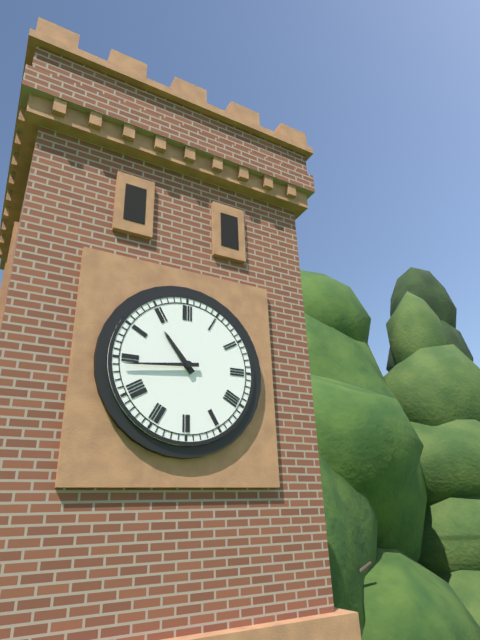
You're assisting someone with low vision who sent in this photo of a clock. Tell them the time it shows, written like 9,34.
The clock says 10,44
